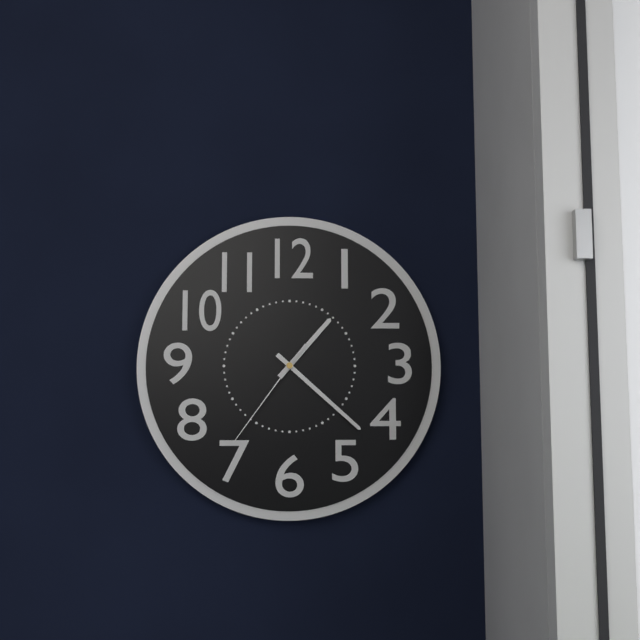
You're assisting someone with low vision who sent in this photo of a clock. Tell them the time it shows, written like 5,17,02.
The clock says 1,22,36
